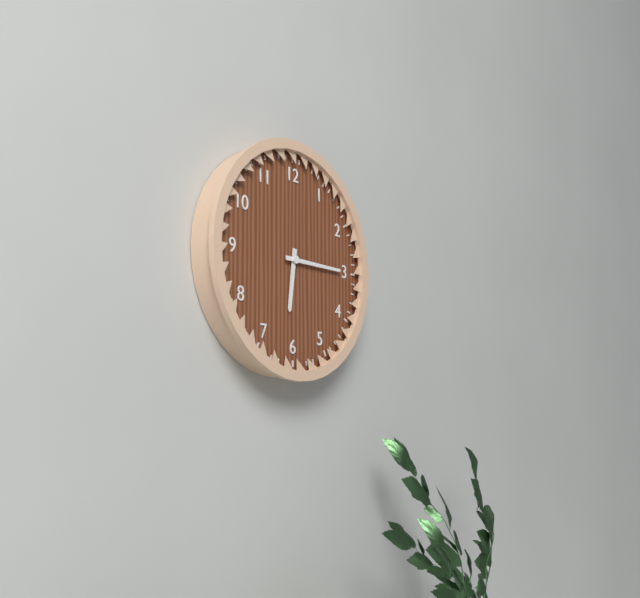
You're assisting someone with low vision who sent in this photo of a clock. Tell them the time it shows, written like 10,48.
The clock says 6,15
